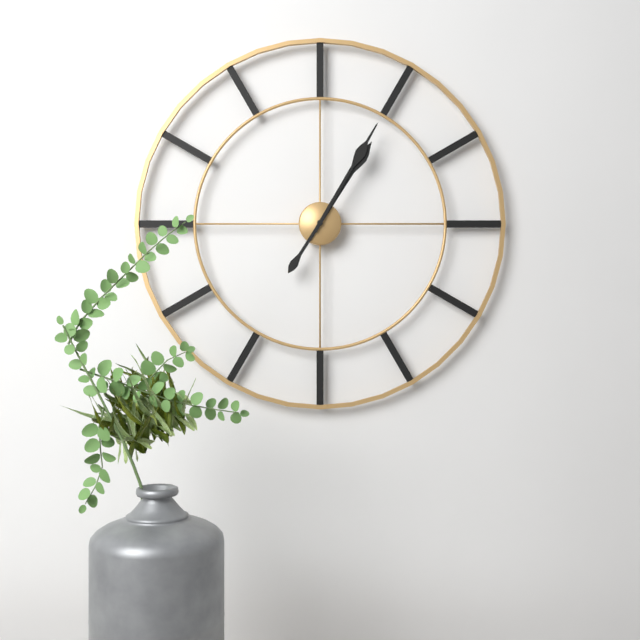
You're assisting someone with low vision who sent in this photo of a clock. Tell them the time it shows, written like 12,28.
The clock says 1,05
